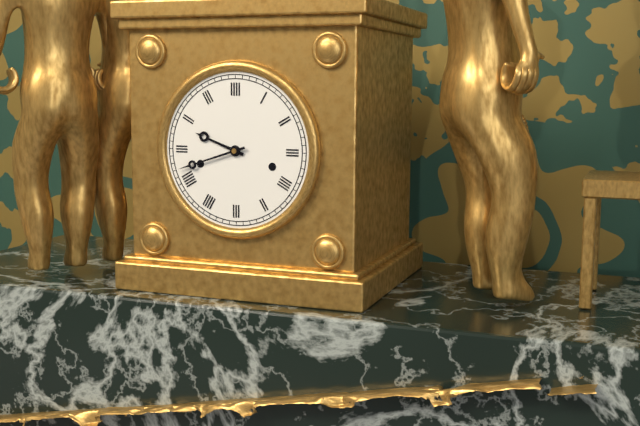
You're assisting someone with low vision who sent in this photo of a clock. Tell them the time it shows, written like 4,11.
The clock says 9,42
